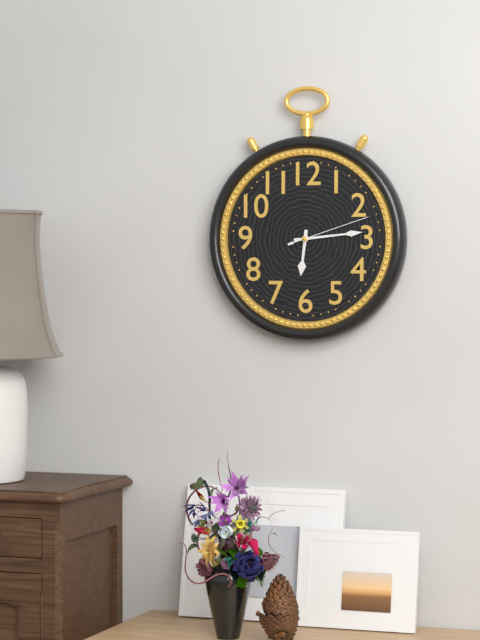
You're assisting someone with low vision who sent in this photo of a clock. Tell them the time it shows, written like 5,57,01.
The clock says 6,14,12
